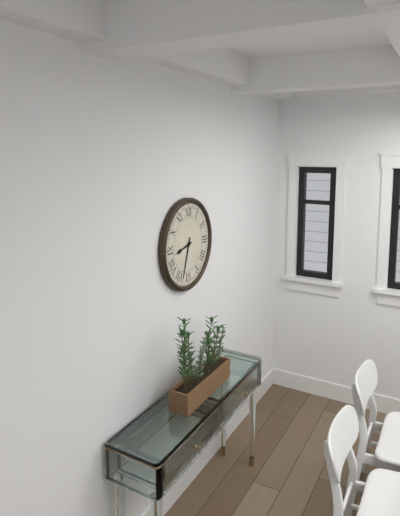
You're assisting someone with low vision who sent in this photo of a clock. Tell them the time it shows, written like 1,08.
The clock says 8,33
